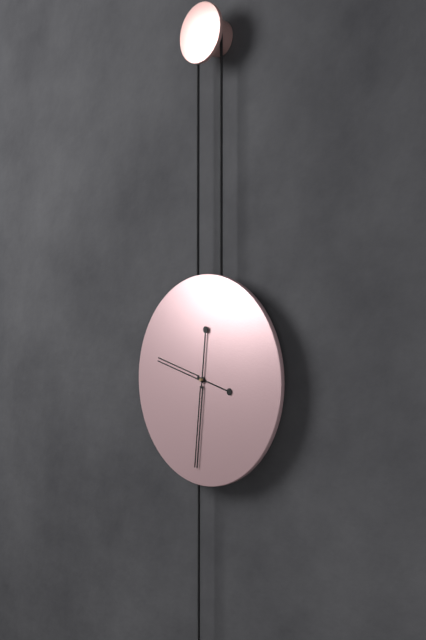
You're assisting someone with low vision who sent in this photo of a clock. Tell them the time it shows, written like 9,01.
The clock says 9,31
